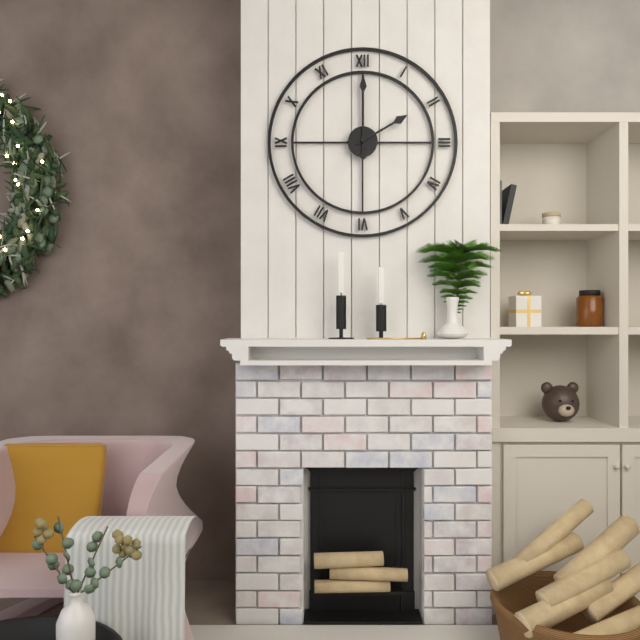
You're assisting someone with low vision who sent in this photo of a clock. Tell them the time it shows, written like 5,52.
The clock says 2,00
